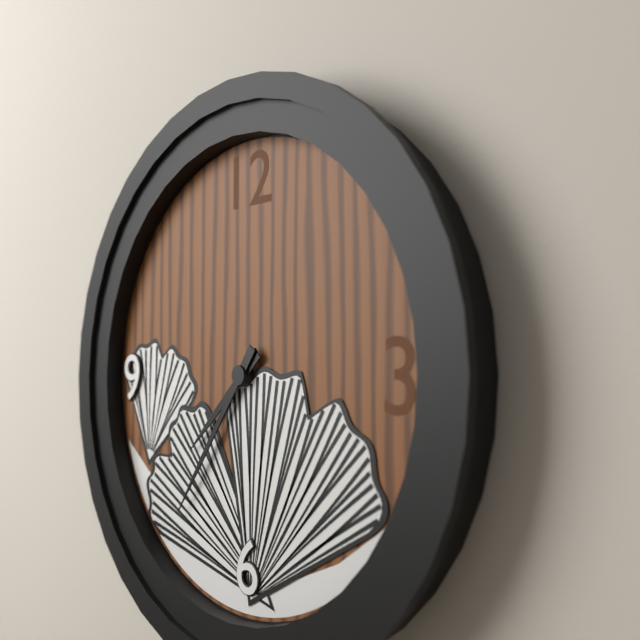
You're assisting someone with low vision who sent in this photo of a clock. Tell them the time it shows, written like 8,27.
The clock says 7,36
